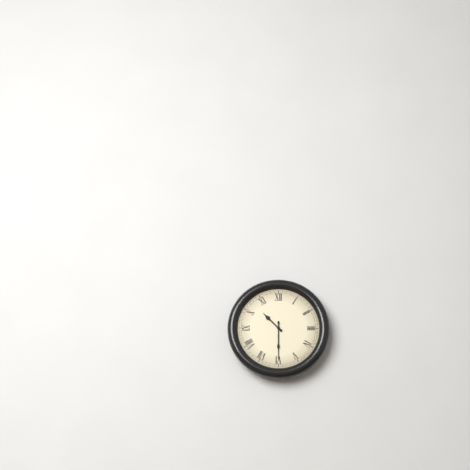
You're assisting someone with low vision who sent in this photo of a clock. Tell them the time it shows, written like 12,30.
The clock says 10,30
